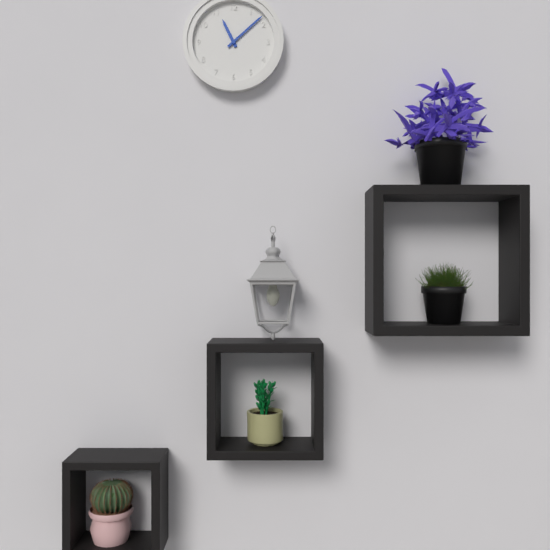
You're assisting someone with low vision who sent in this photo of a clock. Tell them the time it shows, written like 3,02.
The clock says 11,08
